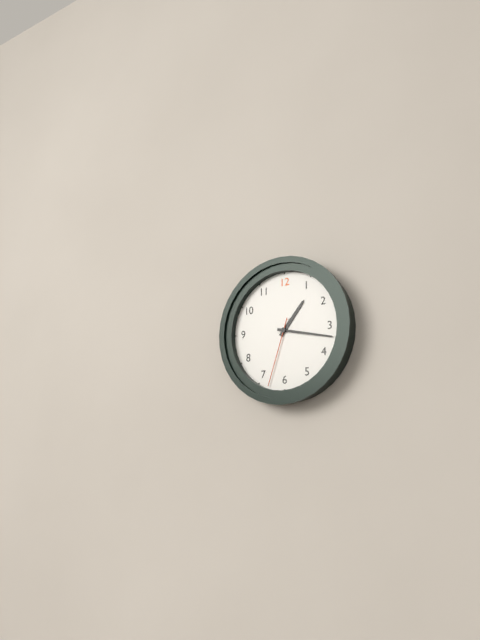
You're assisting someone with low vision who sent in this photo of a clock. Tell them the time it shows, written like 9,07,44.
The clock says 1,17,33
